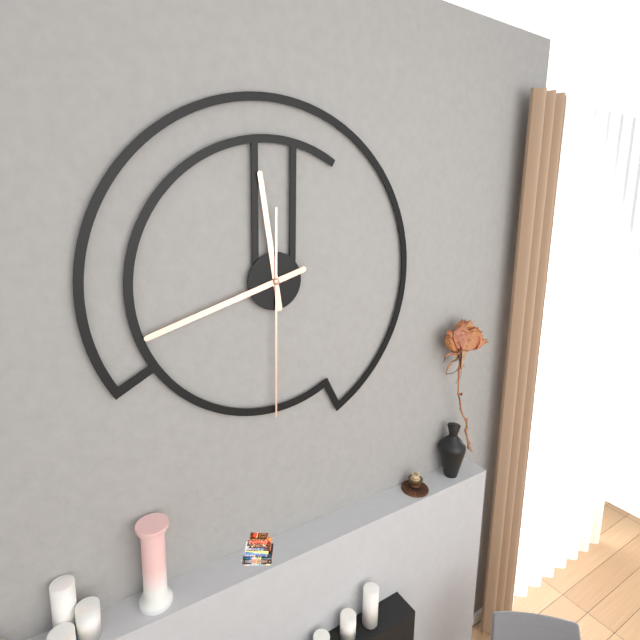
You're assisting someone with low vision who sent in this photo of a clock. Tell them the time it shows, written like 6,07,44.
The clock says 11,42,30
